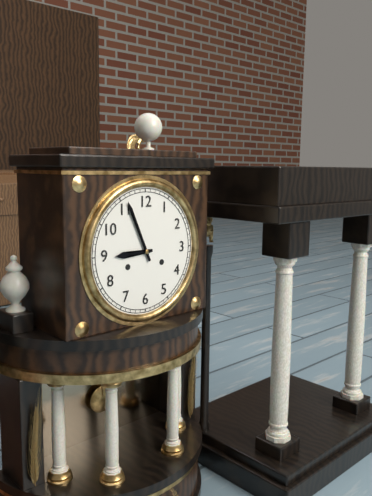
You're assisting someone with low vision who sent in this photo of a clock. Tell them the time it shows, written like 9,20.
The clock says 8,56
